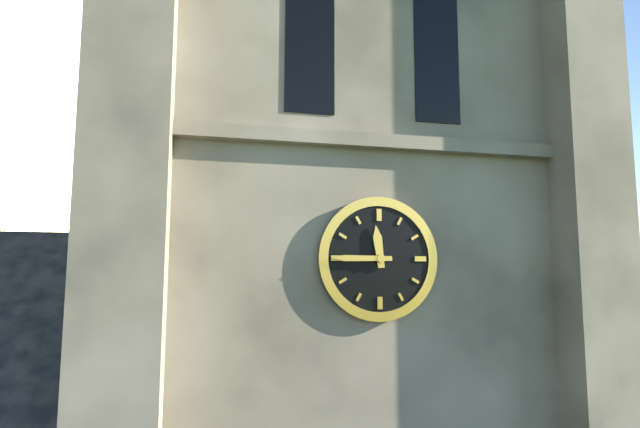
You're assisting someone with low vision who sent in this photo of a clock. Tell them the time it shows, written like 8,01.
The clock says 11,45
